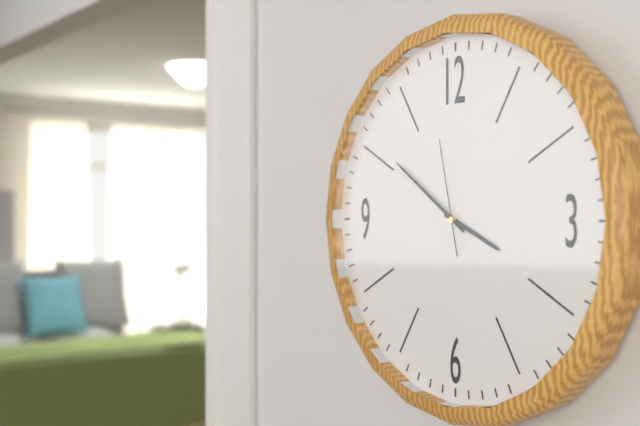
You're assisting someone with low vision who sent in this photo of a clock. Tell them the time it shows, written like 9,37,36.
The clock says 3,51,58
